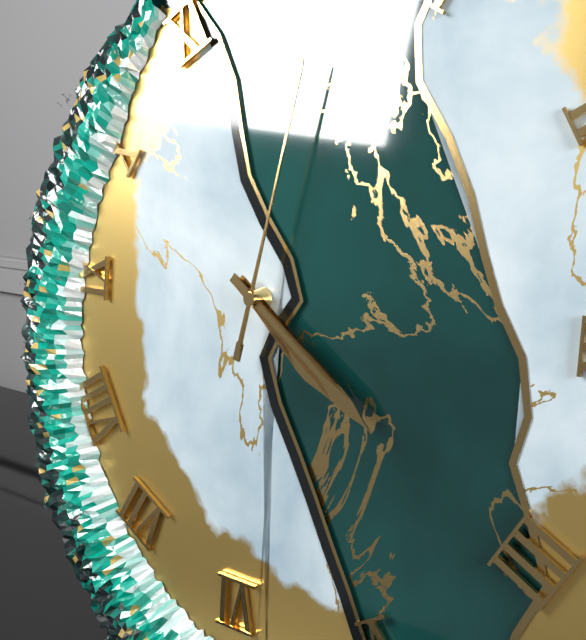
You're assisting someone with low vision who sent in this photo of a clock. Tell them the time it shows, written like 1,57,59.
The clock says 4,21,02
